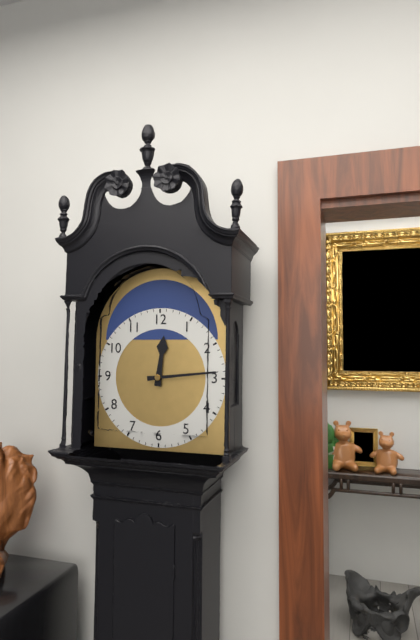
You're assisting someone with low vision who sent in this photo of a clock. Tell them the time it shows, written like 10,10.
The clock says 12,14
